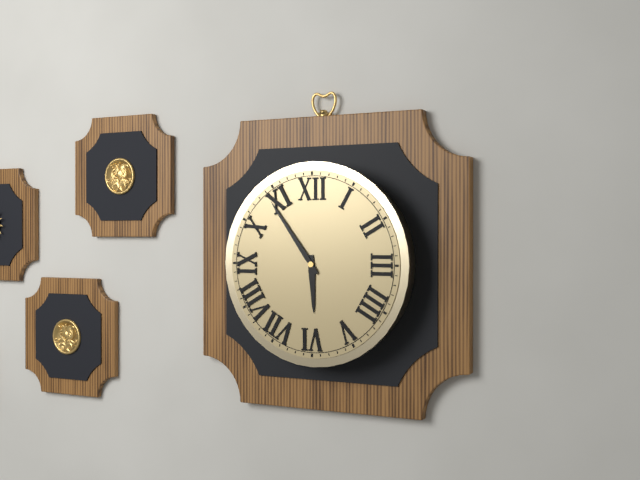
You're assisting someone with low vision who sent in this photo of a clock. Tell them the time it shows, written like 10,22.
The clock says 5,54
